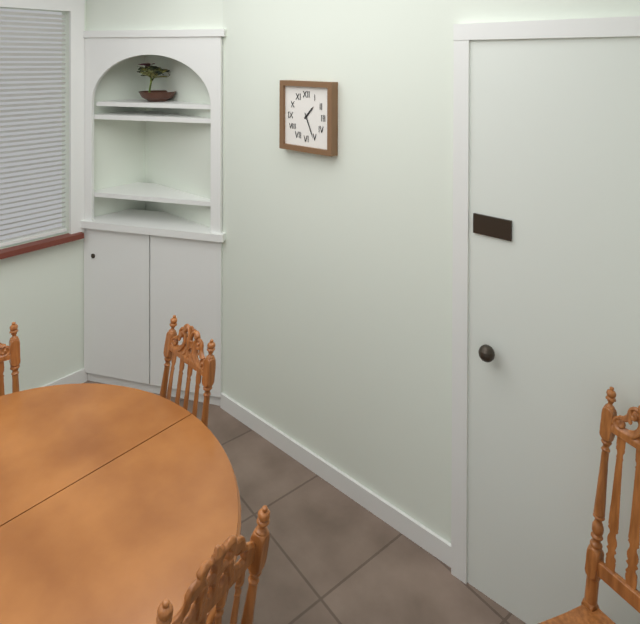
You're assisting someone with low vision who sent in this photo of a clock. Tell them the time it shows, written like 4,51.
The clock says 1,26
